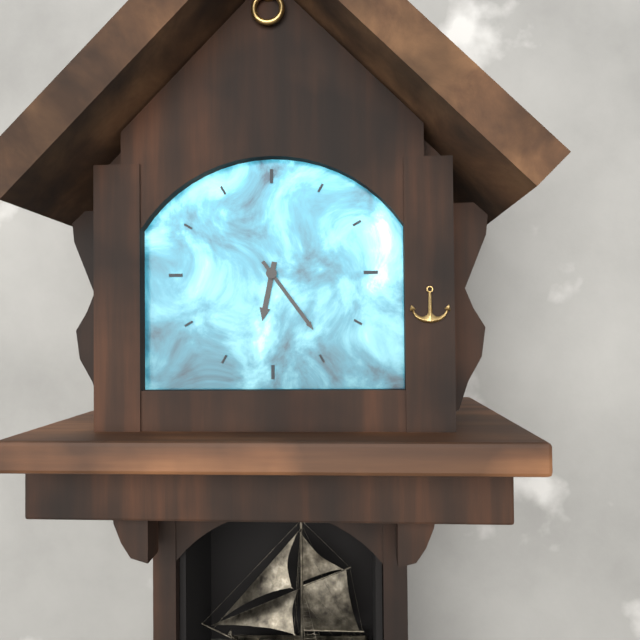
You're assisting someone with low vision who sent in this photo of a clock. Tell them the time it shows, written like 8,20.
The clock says 6,24
